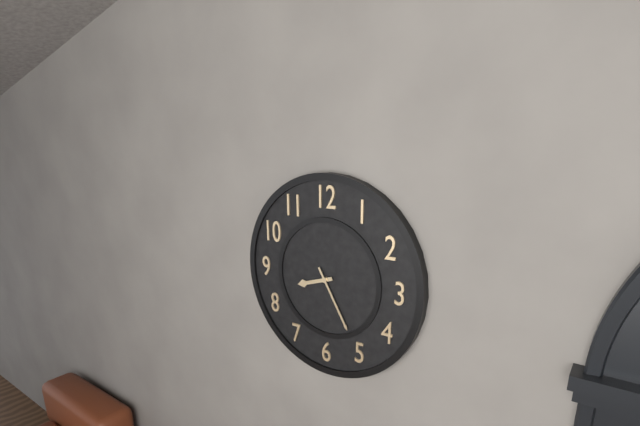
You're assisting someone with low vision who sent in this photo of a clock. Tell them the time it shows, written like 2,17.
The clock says 8,25
